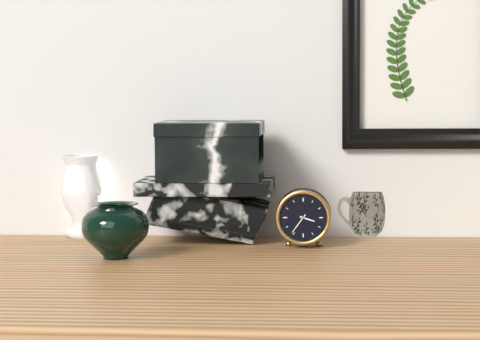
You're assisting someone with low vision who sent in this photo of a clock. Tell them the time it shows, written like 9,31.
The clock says 3,36
